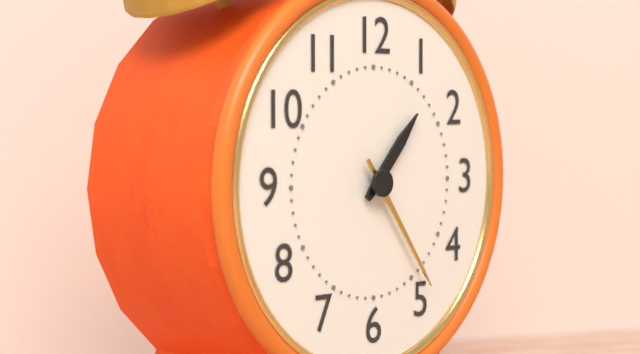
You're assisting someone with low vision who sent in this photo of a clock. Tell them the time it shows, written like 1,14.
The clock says 1,24
